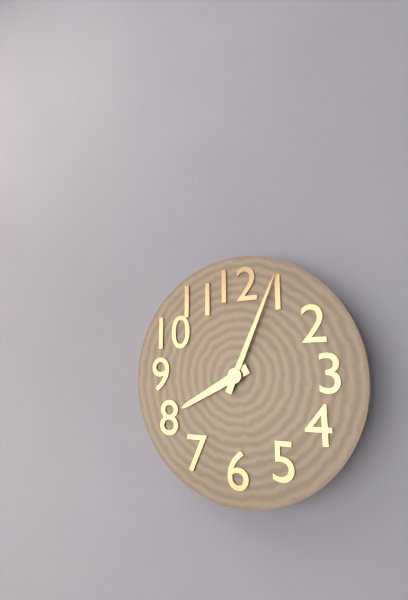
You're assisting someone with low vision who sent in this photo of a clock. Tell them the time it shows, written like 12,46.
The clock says 8,04
